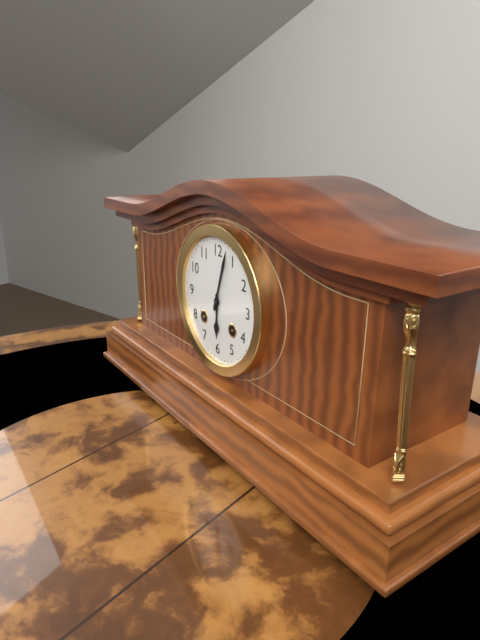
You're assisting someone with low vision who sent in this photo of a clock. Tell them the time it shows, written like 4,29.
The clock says 6,03
